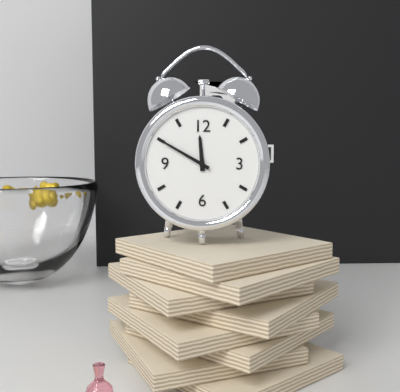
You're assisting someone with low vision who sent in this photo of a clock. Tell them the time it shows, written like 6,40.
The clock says 11,50
